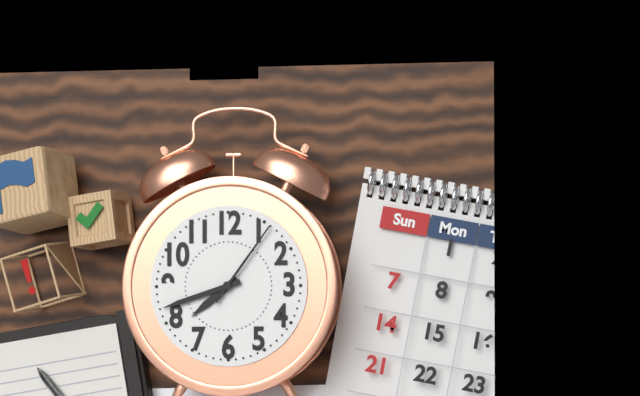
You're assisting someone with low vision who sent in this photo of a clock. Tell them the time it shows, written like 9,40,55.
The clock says 7,42,06
